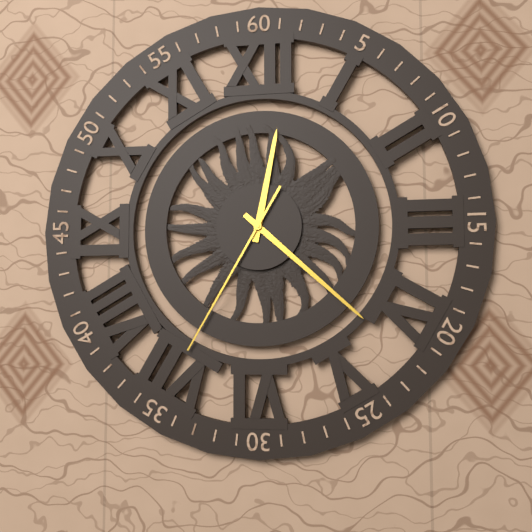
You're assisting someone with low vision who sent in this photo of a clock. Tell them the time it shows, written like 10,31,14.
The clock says 12,22,35
